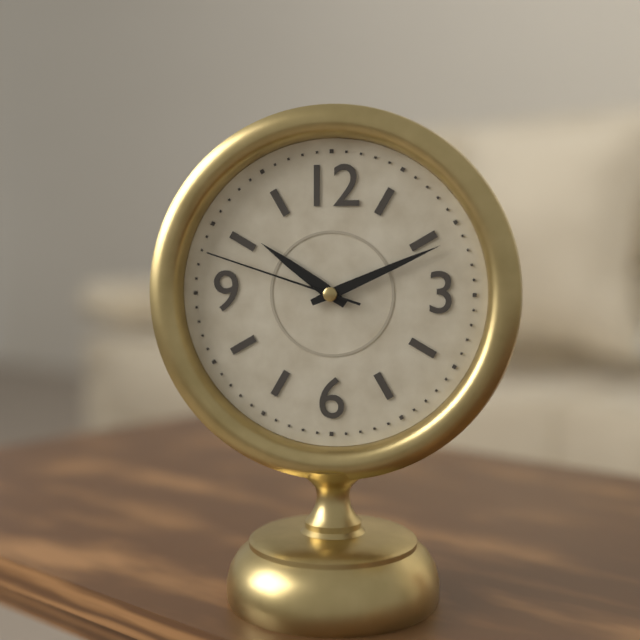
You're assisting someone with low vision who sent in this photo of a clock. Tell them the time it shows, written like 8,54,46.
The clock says 10,11,48
